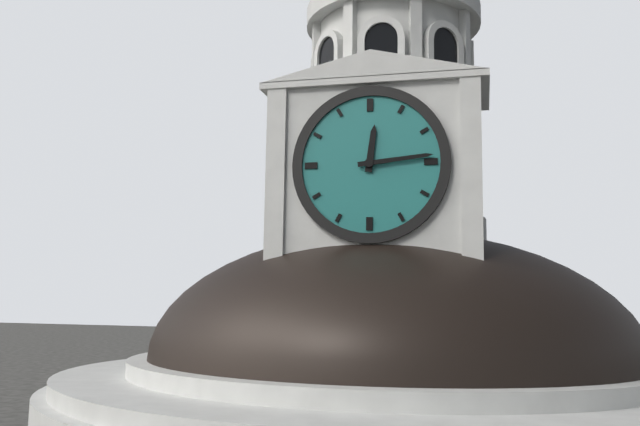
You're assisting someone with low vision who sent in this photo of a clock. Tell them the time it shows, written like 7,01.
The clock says 12,14
